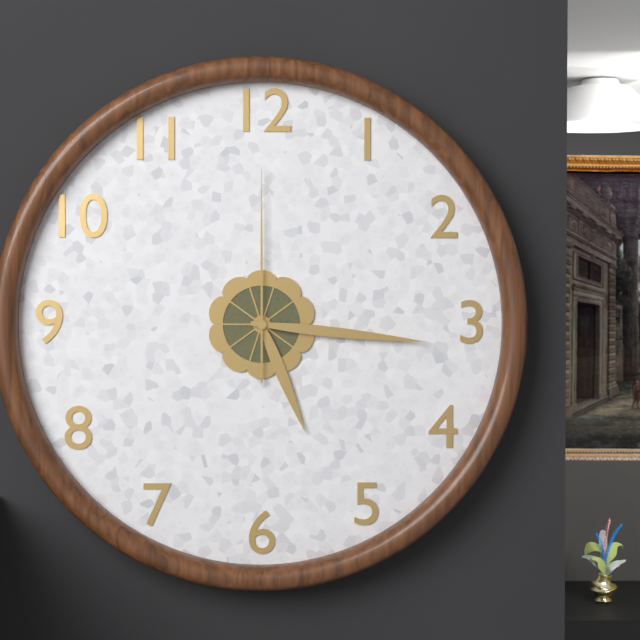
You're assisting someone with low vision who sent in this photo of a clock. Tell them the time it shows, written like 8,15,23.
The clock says 5,16,00
